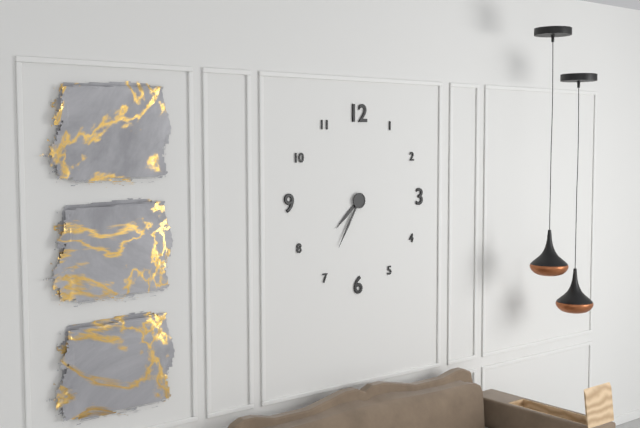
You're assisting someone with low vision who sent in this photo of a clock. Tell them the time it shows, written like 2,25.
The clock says 7,35
